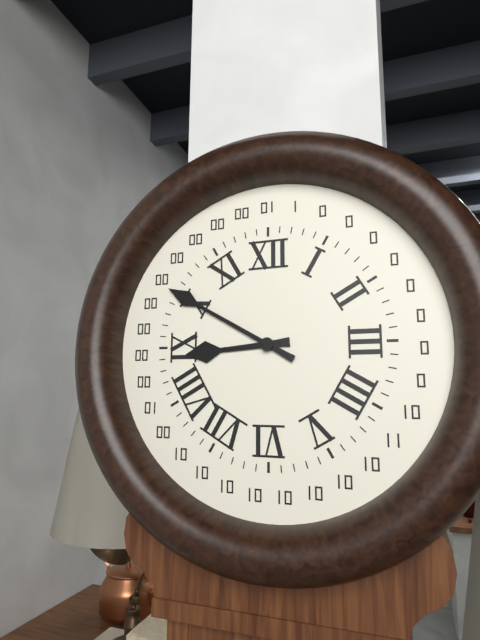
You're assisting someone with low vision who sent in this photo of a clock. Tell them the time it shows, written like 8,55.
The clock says 8,50
